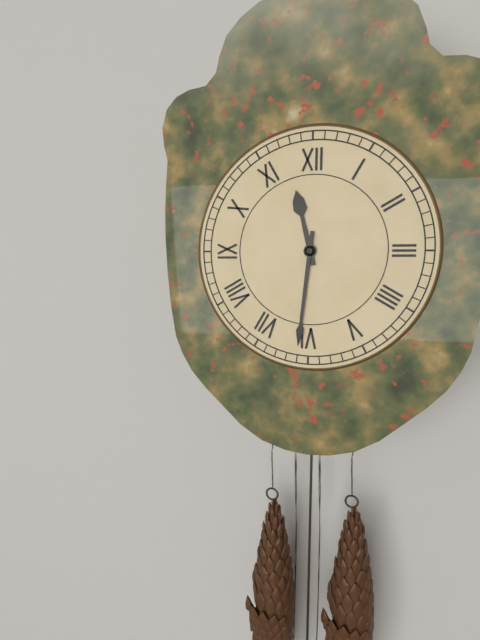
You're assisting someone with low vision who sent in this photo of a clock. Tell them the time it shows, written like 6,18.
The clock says 11,31
